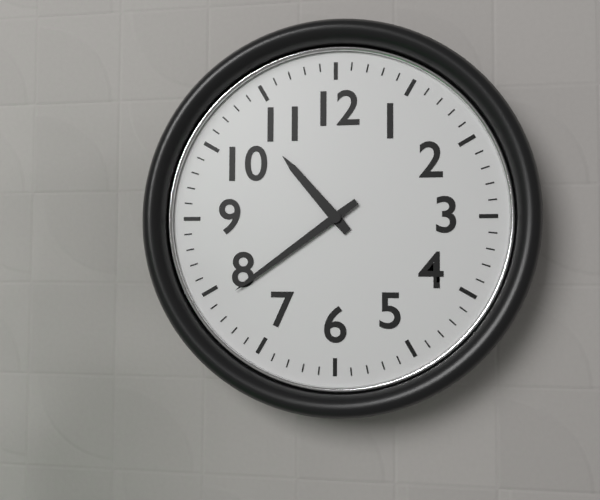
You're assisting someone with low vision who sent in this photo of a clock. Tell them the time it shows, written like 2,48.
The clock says 10,39
